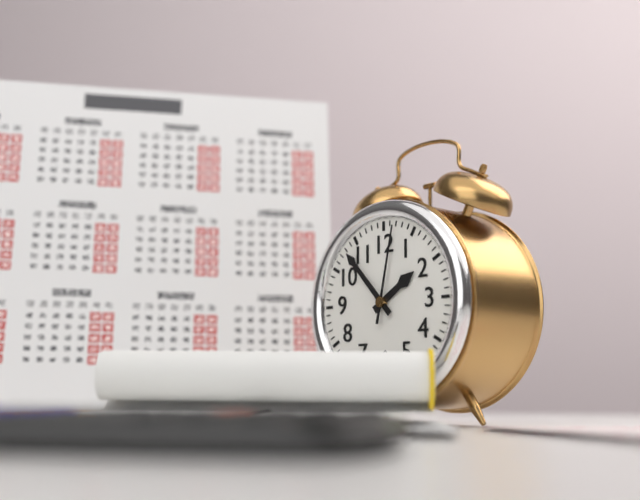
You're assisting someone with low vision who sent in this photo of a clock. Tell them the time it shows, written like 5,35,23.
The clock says 1,53,02
